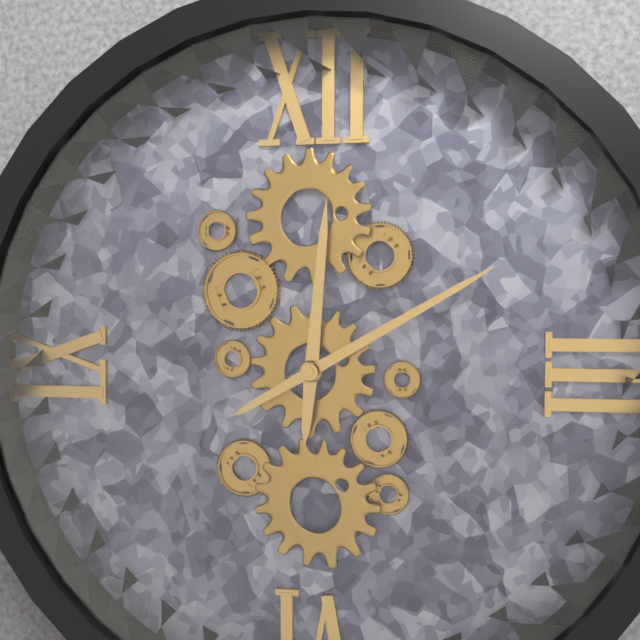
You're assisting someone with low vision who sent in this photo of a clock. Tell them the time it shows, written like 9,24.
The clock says 12,10
